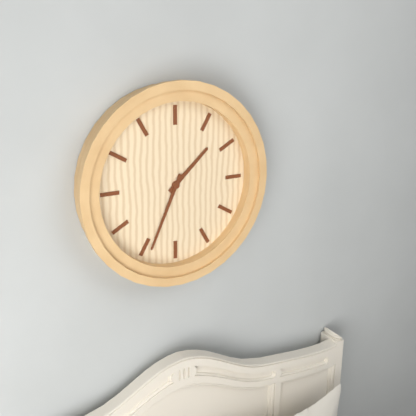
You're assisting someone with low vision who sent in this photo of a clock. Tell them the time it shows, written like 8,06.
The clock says 1,34
